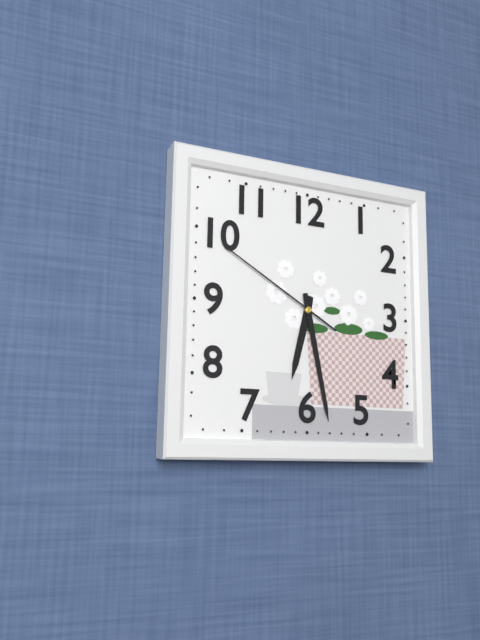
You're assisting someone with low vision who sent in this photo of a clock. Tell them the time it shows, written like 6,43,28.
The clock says 6,28,50
